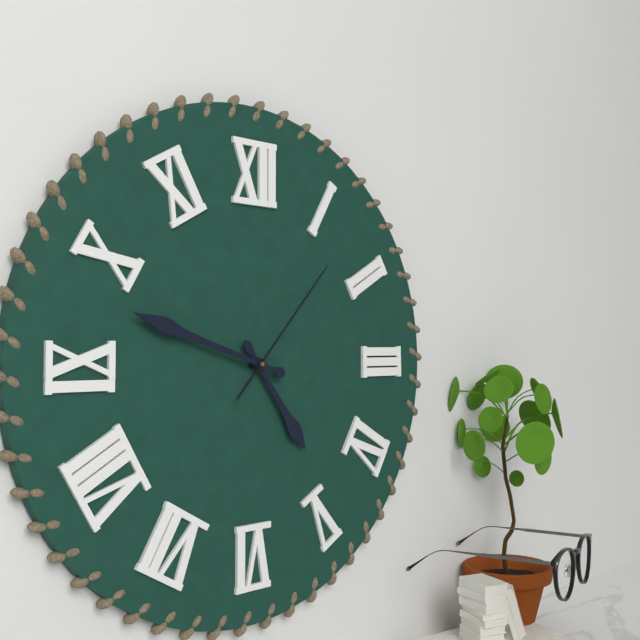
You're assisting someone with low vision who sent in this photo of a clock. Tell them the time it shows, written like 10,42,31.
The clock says 4,48,07
